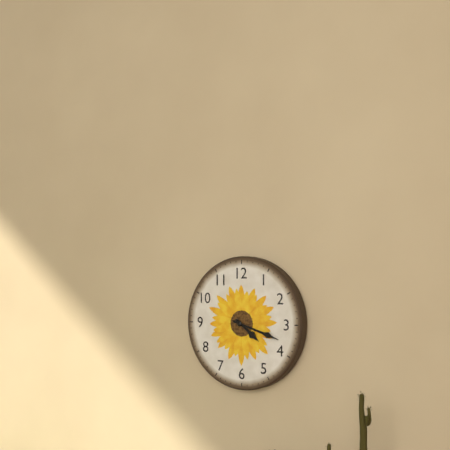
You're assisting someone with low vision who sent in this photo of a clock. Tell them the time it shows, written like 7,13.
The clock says 4,18
